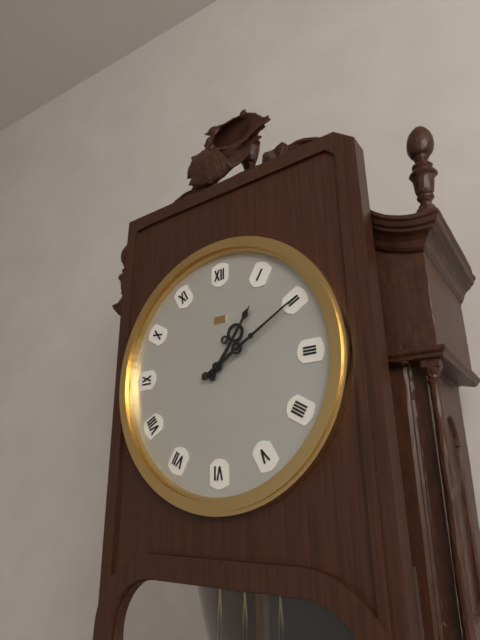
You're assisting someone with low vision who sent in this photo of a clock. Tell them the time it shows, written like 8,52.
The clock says 1,10
